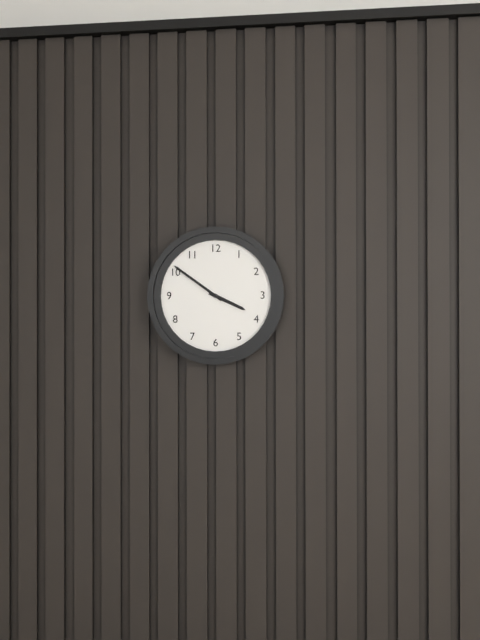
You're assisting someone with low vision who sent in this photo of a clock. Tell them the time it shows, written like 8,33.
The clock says 3,51
